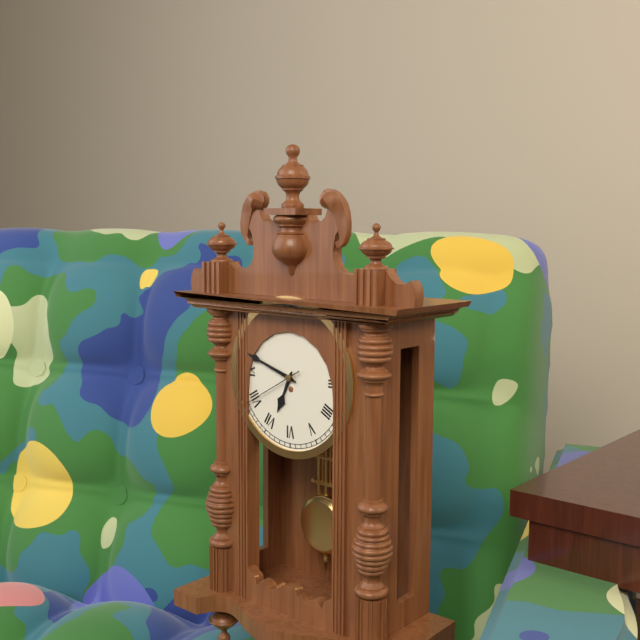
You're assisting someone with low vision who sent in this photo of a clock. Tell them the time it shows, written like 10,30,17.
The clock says 6,48,40
